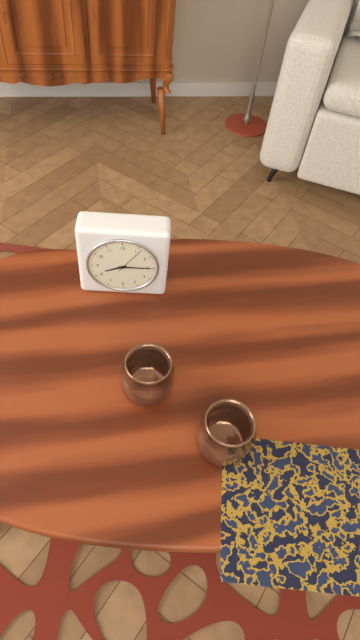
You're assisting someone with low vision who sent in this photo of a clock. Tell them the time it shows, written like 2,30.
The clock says 8,15
